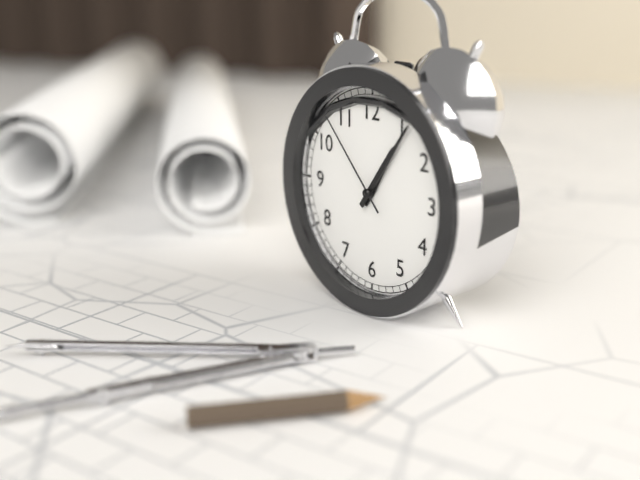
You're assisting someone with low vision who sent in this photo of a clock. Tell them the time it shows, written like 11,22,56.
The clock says 1,06,53
